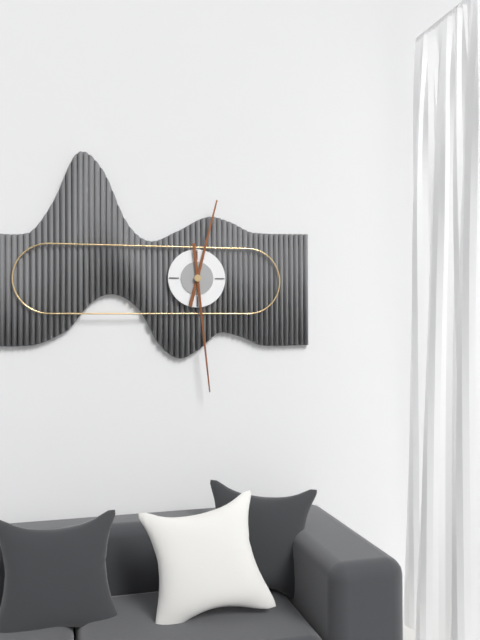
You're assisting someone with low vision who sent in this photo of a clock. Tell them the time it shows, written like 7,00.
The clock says 12,29
